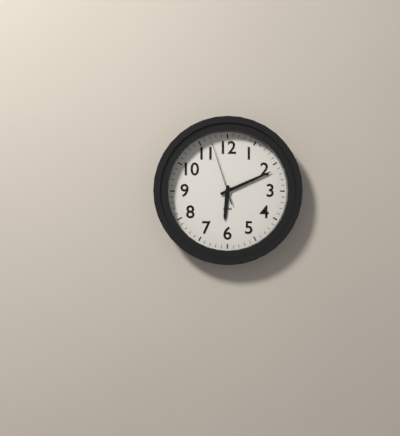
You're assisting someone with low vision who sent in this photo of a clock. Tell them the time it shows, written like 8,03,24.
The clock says 6,11,57
